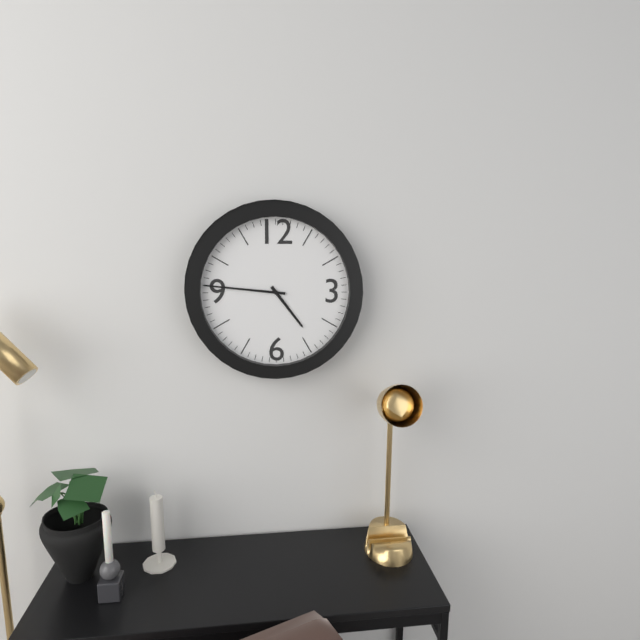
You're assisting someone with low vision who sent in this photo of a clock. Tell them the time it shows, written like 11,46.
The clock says 4,46
